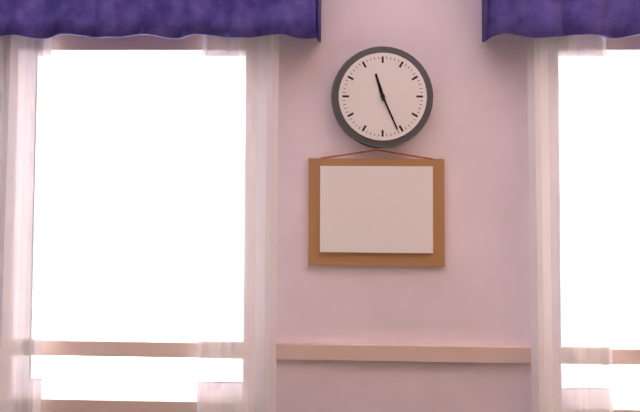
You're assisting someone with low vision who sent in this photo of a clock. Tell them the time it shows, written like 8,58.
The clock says 11,26
